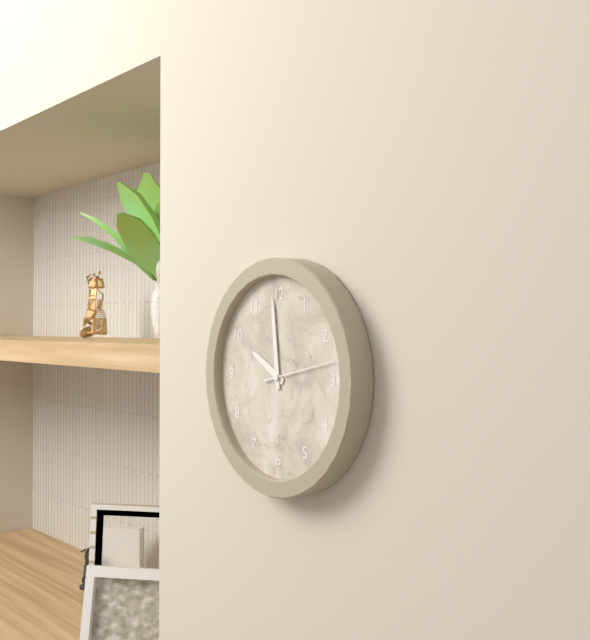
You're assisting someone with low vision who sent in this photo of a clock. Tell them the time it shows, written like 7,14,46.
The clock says 9,59,13
